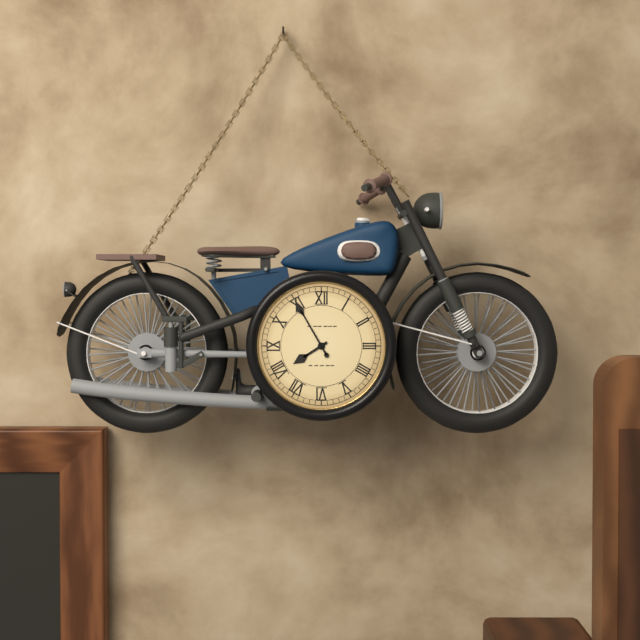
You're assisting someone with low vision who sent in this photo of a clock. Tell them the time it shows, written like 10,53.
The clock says 7,55
